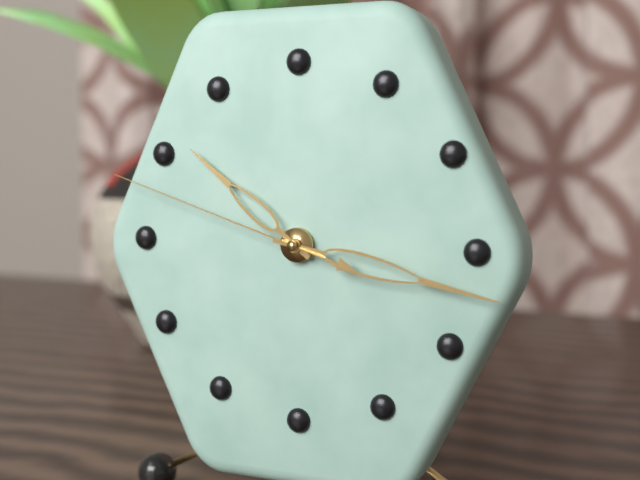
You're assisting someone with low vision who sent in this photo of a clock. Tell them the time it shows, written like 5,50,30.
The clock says 10,17,48
